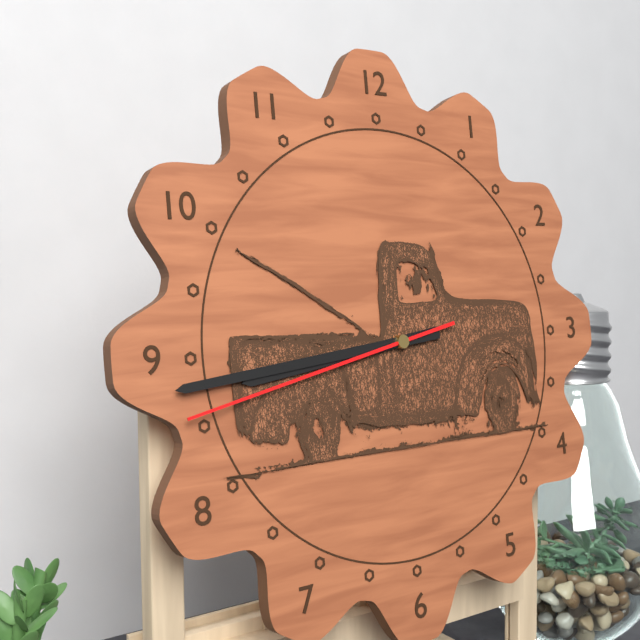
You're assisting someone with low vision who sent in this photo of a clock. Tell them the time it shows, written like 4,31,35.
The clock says 8,44,43
